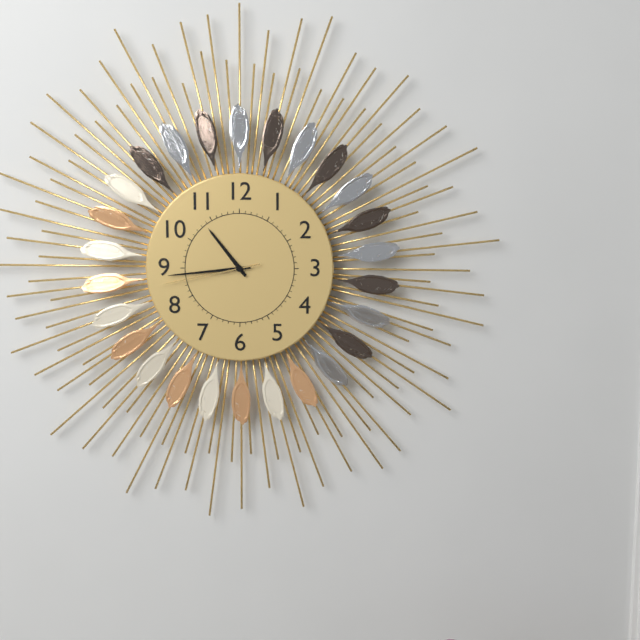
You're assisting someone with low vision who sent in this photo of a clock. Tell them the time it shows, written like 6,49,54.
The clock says 10,44,43
